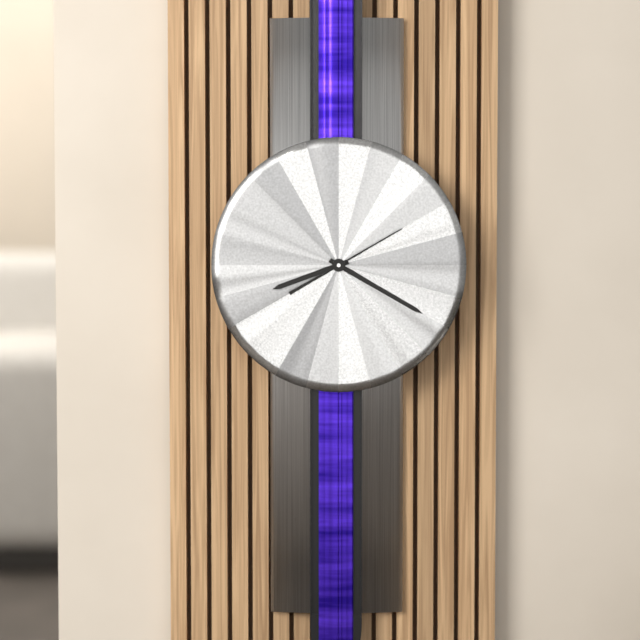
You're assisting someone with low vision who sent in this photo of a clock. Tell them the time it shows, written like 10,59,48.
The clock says 8,20,10
